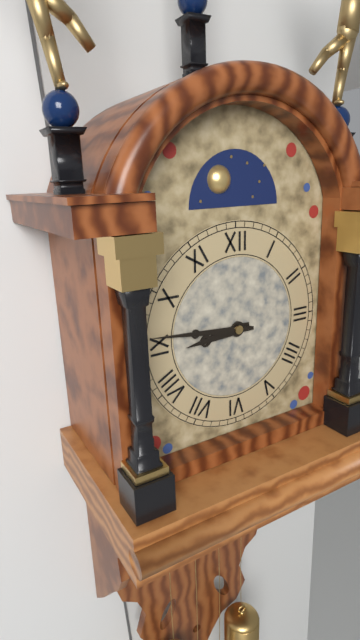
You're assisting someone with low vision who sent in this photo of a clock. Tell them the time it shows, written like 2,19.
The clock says 8,46
